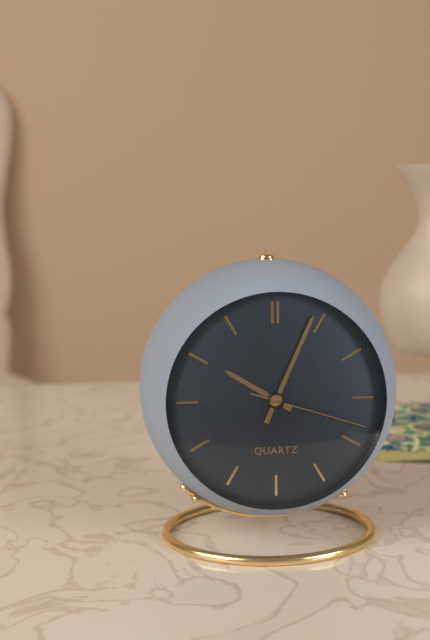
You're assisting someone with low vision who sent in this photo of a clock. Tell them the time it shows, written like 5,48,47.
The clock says 10,04,18
